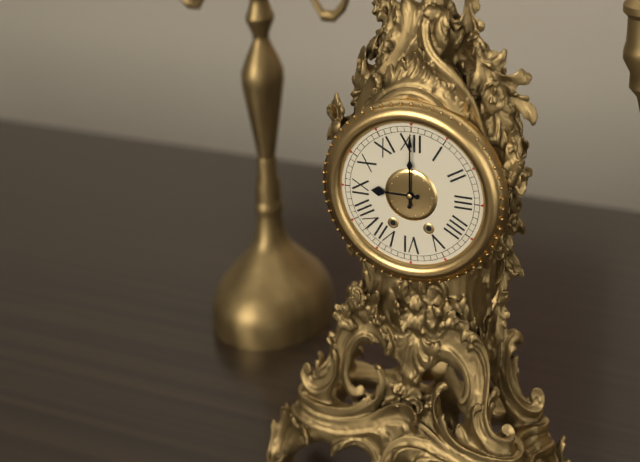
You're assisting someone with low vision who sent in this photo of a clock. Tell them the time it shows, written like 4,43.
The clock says 9,00
